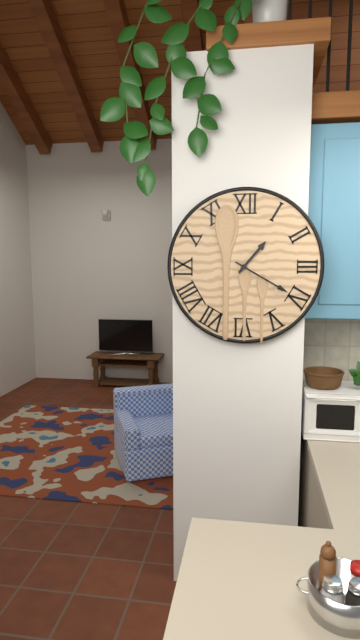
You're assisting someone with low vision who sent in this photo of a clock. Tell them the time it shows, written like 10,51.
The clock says 1,20
